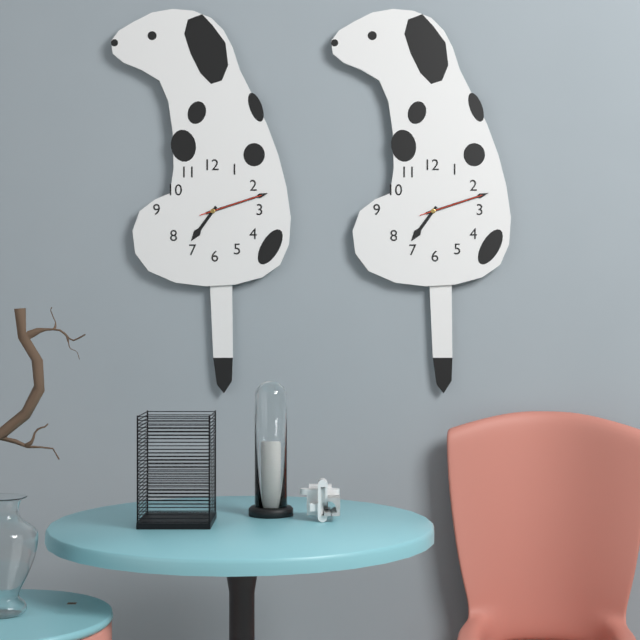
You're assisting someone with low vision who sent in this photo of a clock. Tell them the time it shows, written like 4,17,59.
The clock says 7,12,12
